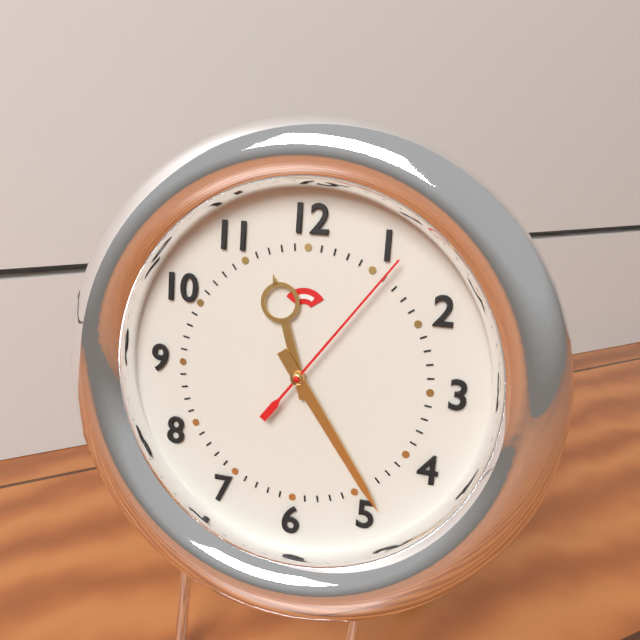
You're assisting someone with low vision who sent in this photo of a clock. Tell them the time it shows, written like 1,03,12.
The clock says 11,24,06
